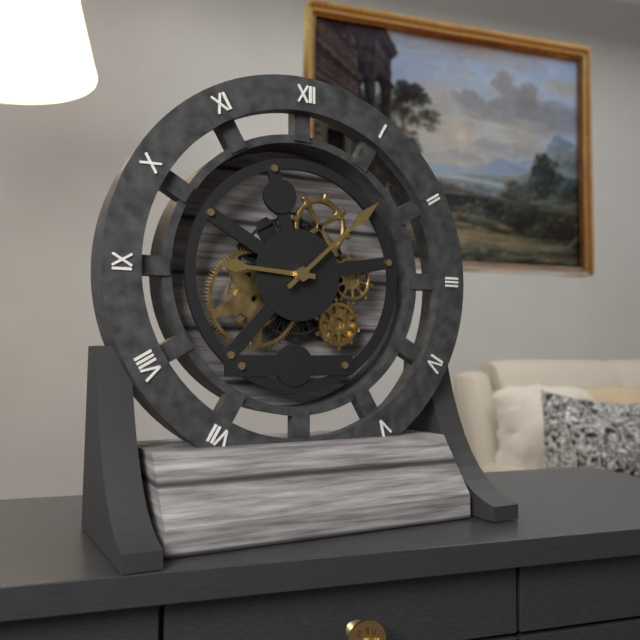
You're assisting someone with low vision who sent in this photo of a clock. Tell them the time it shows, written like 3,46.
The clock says 9,08
